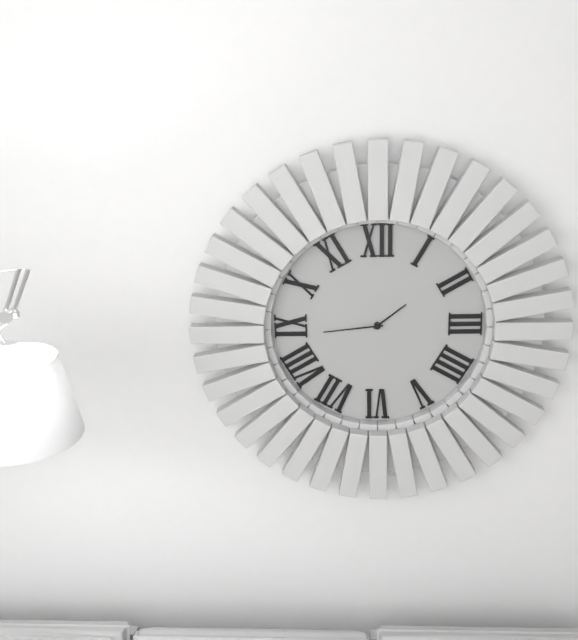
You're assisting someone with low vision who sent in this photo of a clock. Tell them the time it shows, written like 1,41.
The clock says 1,44
